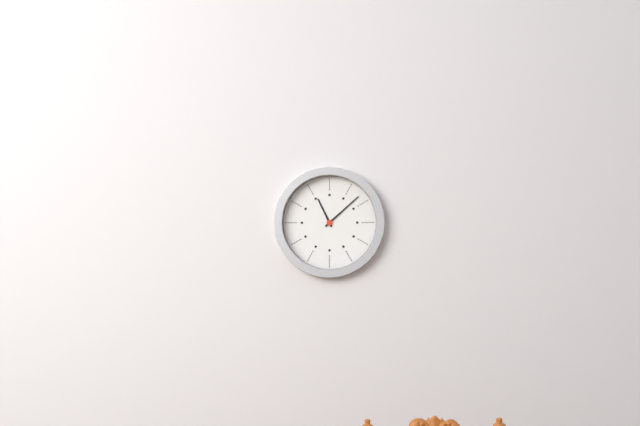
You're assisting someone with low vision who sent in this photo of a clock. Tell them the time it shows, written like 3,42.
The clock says 11,08
